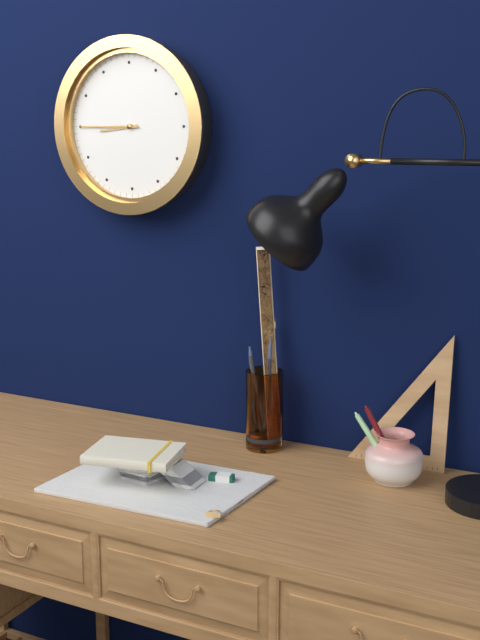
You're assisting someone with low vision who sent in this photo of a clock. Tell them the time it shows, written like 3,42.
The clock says 8,45
